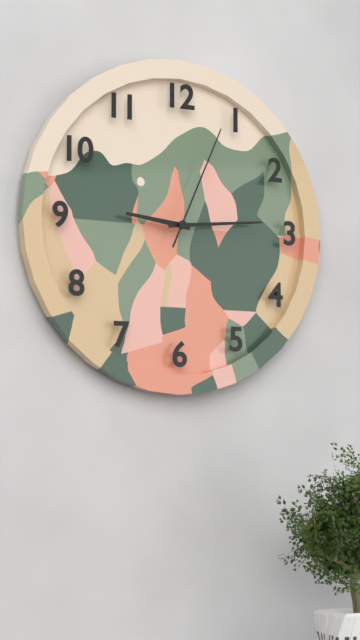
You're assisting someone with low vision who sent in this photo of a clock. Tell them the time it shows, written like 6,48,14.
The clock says 9,14,04
